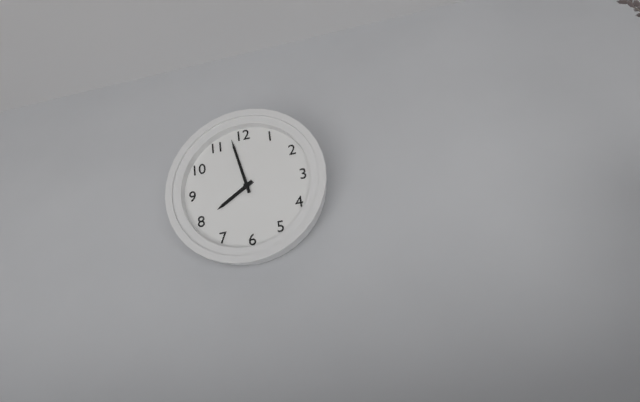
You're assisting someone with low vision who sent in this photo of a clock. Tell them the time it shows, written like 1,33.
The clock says 7,58
